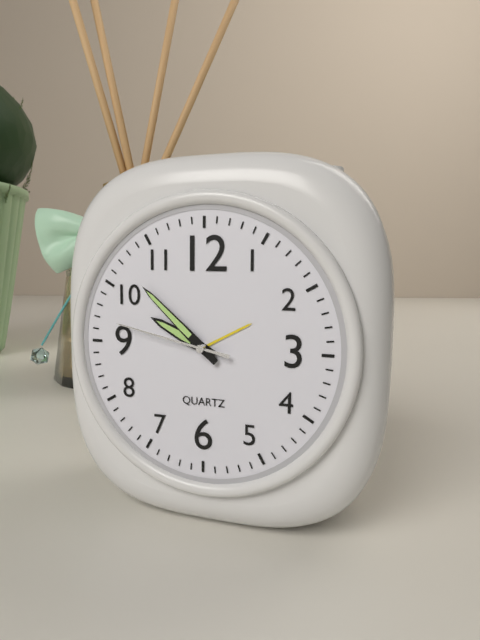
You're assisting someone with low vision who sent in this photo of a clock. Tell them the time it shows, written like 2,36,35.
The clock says 9,52,47
